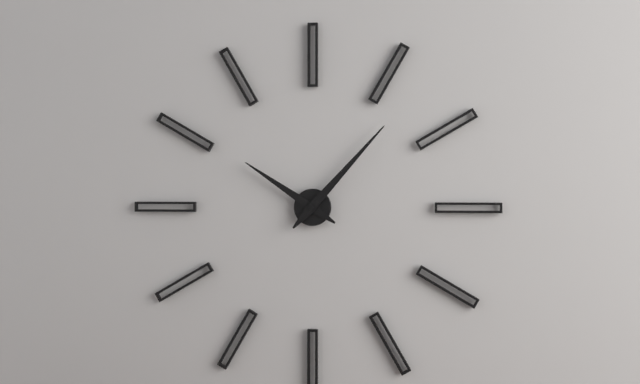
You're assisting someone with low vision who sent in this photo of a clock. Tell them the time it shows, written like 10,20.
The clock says 10,07
